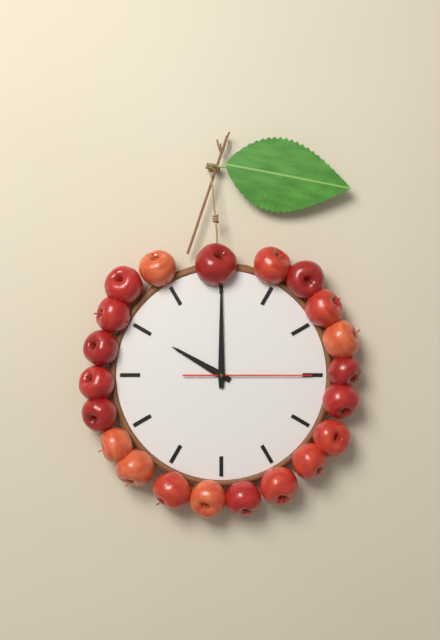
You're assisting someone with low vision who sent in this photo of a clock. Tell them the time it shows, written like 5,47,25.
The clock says 10,00,15
